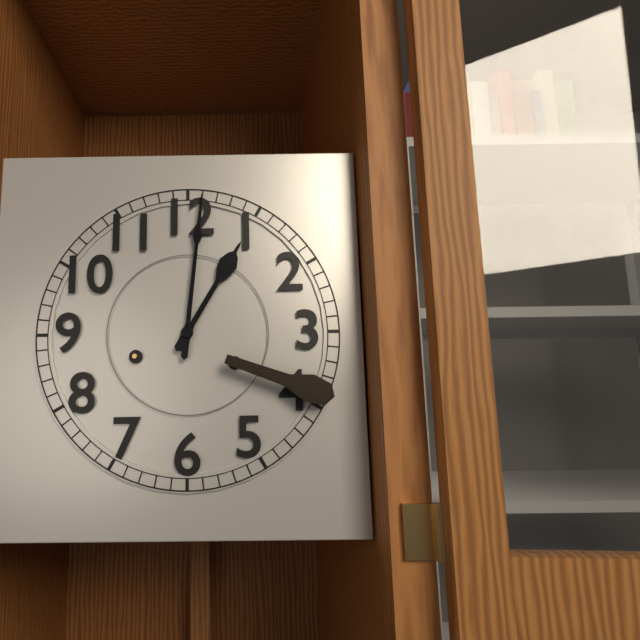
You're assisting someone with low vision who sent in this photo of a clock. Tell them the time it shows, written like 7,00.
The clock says 1,01
